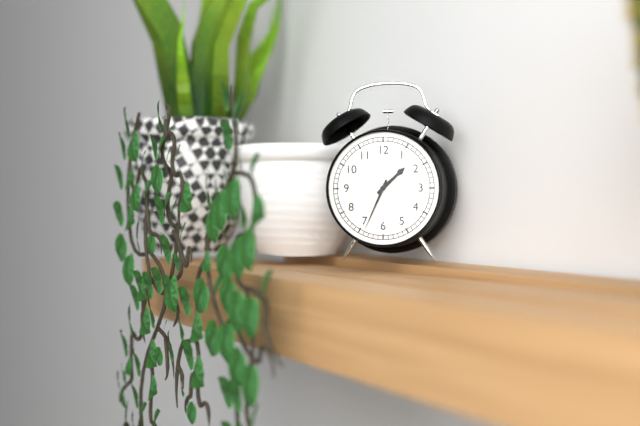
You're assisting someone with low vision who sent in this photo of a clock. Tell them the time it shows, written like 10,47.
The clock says 1,34
